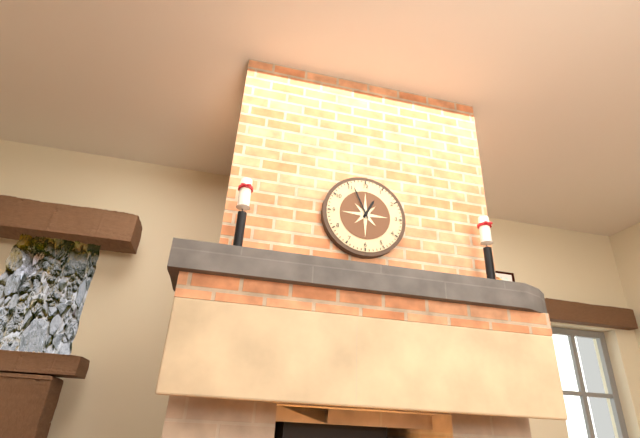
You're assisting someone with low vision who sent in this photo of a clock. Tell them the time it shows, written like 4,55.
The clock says 12,56
